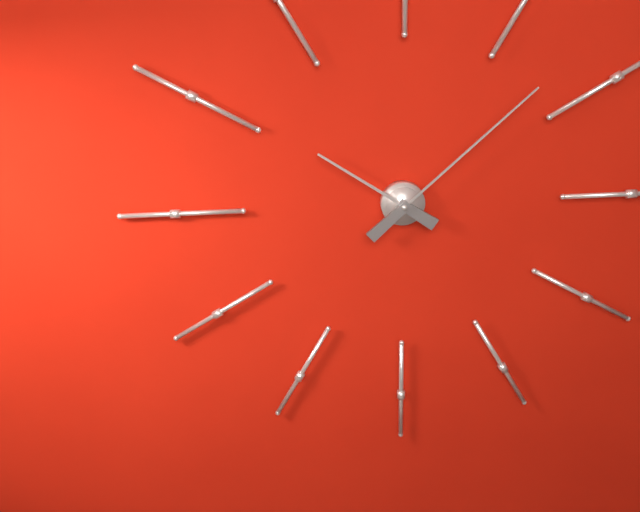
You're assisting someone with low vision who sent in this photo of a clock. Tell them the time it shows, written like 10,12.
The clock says 10,08
